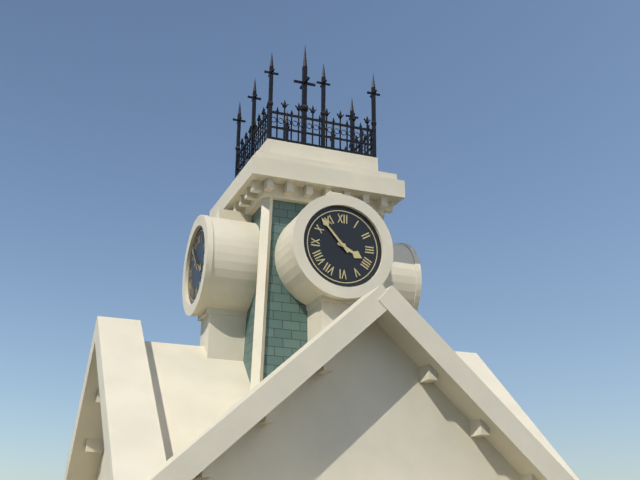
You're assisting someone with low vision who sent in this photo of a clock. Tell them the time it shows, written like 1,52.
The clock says 3,53
